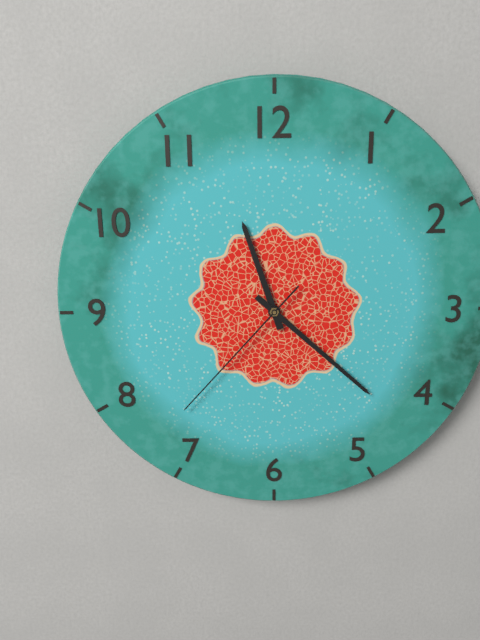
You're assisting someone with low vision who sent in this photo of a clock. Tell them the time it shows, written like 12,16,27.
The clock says 11,22,37
